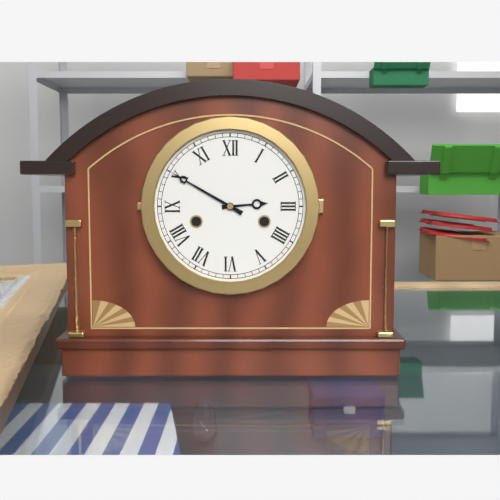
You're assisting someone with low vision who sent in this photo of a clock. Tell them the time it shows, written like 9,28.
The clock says 2,50
